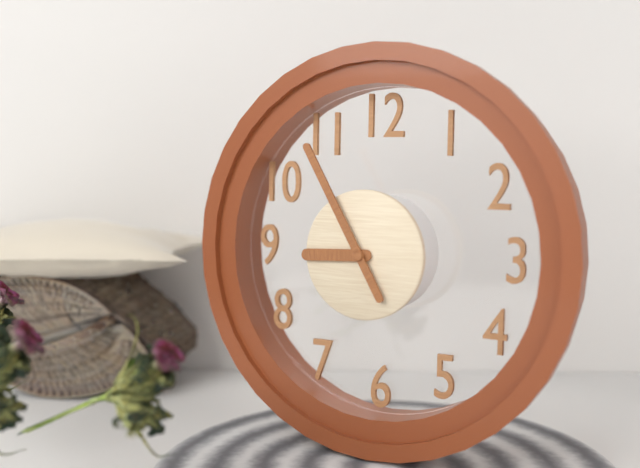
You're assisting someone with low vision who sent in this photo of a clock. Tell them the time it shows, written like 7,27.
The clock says 8,55
